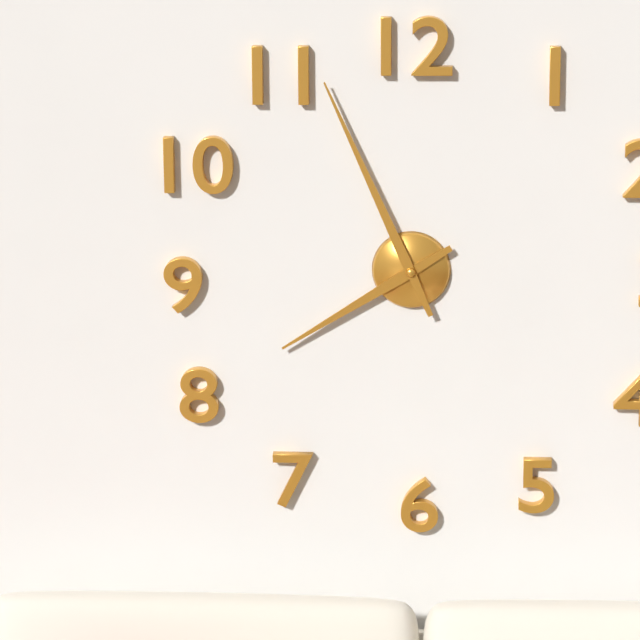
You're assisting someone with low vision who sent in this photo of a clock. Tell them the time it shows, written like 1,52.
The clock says 7,56
